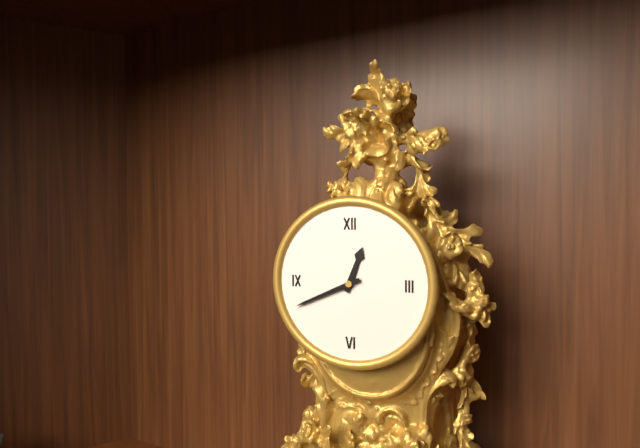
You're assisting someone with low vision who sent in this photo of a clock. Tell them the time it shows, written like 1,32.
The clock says 12,41
